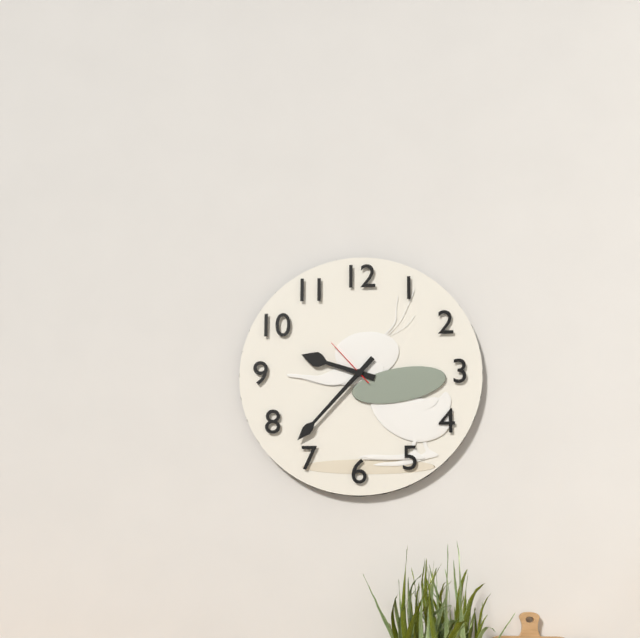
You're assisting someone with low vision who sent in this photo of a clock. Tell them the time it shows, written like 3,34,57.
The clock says 9,37,53
